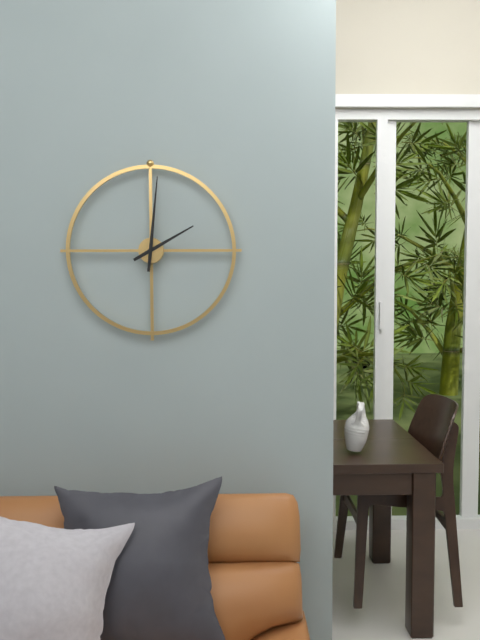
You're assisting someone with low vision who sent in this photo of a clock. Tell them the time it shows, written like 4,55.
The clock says 2,01
